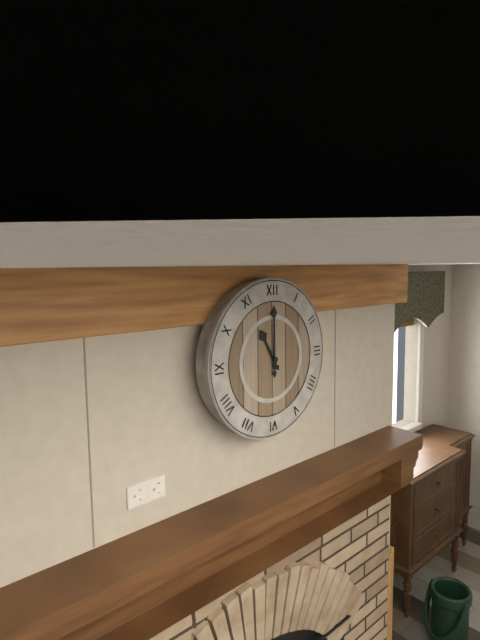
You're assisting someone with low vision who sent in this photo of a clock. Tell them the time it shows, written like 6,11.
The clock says 11,00
